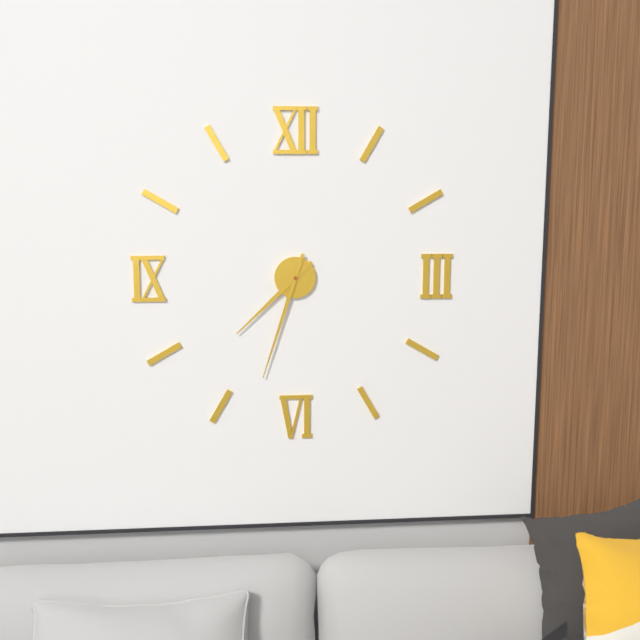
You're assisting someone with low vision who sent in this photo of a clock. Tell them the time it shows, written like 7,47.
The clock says 7,33
